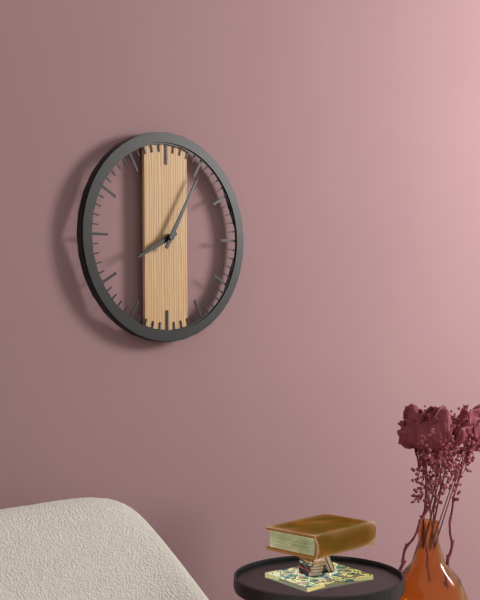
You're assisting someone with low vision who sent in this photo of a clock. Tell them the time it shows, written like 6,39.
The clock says 8,05
